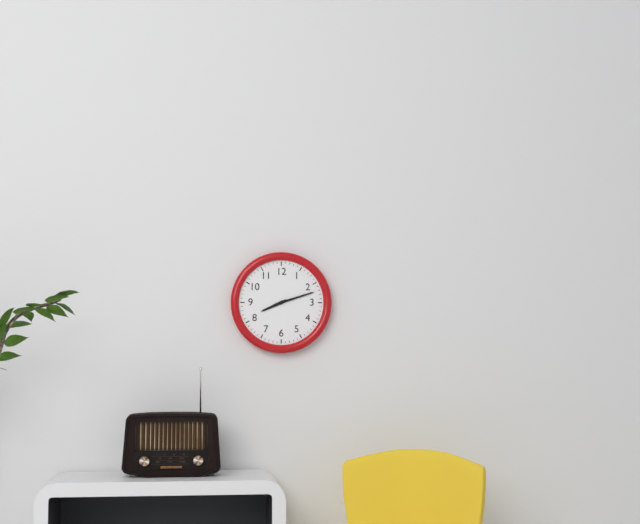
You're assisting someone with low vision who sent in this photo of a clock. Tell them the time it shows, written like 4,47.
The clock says 8,12
